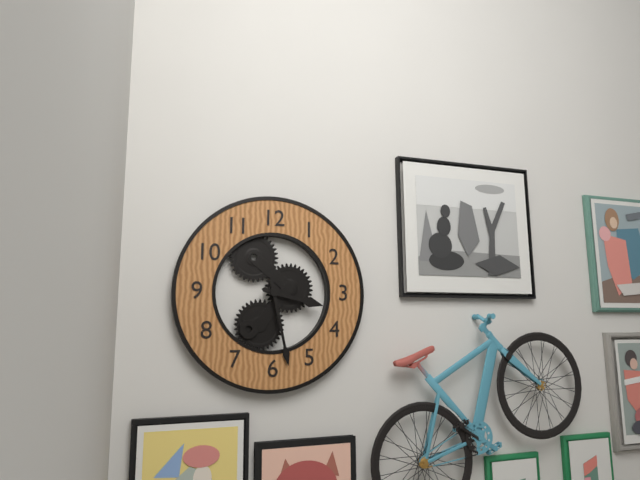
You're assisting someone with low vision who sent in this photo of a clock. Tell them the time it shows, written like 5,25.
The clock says 3,28
